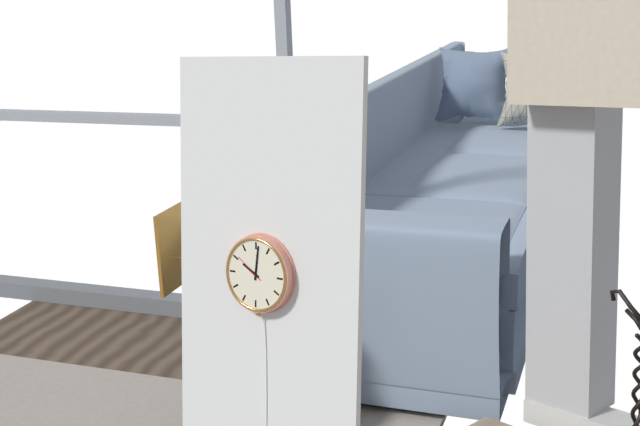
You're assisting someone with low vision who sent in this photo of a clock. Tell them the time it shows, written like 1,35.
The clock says 10,01
